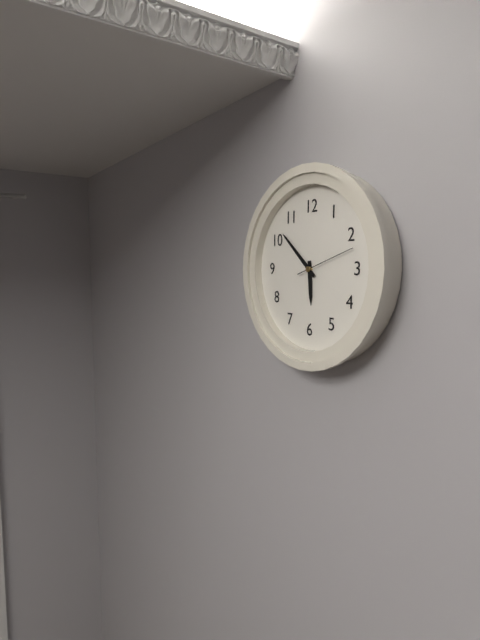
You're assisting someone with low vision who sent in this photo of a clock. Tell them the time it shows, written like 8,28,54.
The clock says 5,52,12
